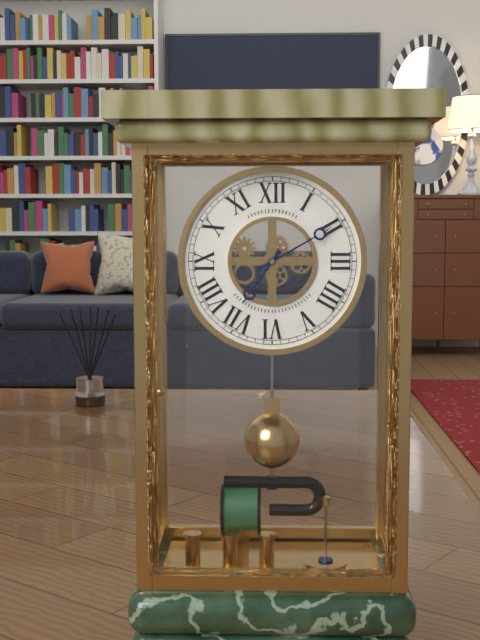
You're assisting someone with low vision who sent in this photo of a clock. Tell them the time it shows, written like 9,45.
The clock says 7,10
